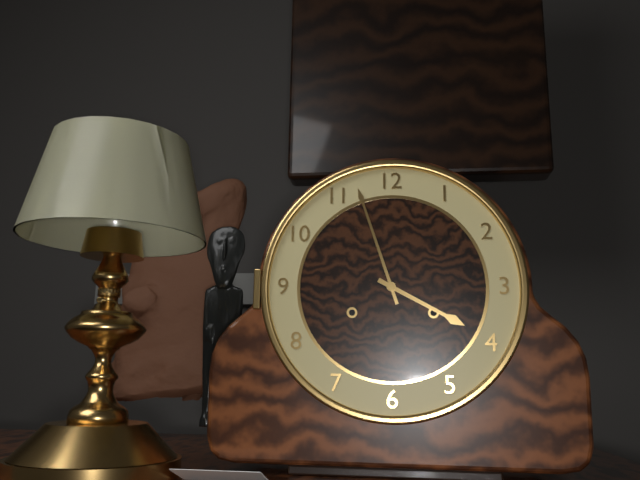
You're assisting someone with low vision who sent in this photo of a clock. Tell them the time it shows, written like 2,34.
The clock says 3,57
